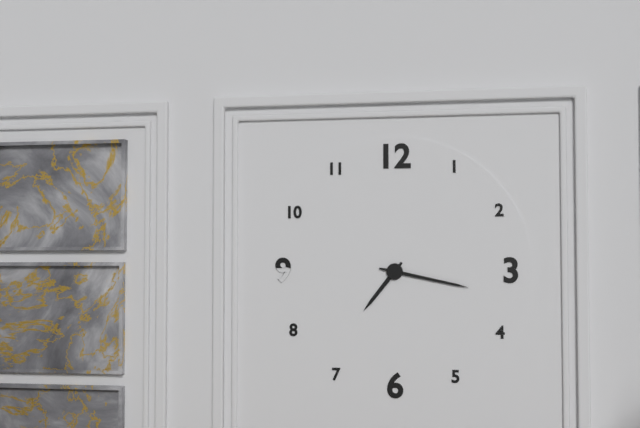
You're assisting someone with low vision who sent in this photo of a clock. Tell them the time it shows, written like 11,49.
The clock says 7,17
